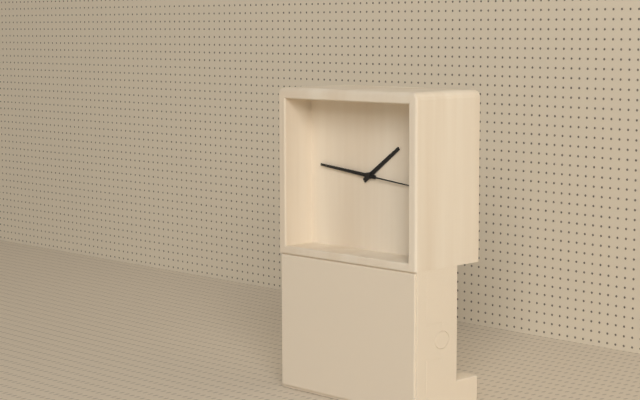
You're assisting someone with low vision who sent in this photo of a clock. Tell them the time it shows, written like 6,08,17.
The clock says 1,46,16
